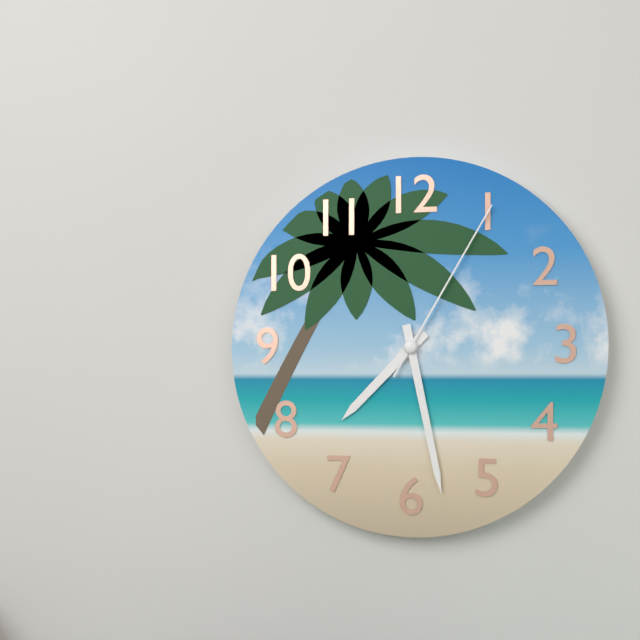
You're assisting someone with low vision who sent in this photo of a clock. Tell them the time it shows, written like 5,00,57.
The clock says 7,28,05
